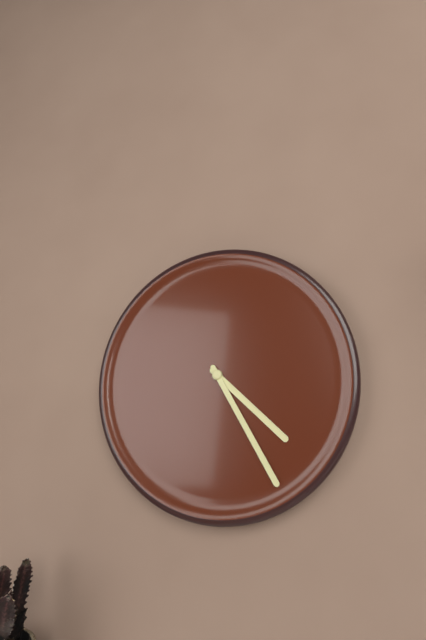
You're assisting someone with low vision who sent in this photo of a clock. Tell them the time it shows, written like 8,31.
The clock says 4,25
